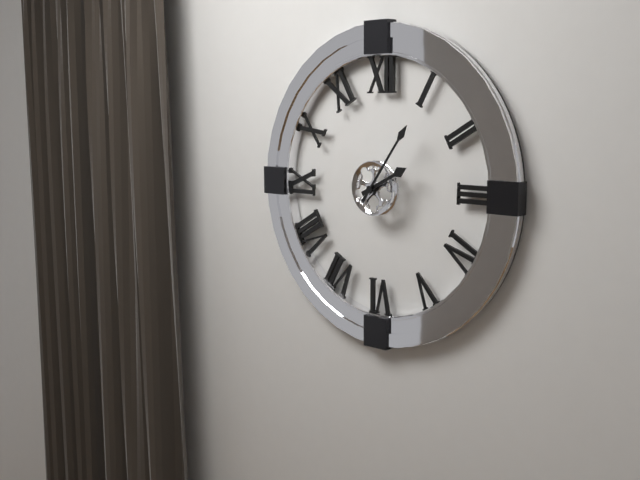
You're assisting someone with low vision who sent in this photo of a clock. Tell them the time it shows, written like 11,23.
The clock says 2,06
